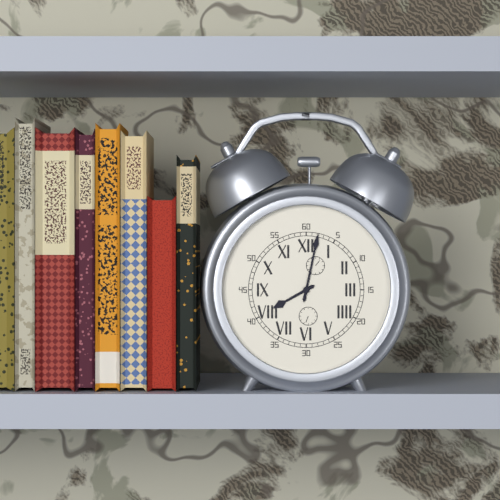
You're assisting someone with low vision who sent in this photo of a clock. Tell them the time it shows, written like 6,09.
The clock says 8,02
